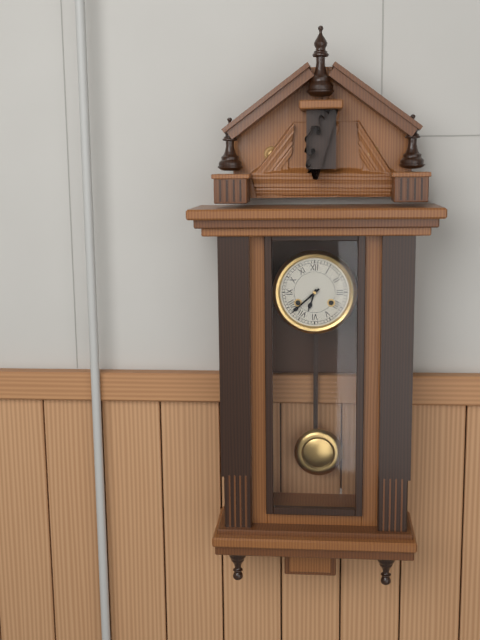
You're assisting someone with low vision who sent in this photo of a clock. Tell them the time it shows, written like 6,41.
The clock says 6,38
